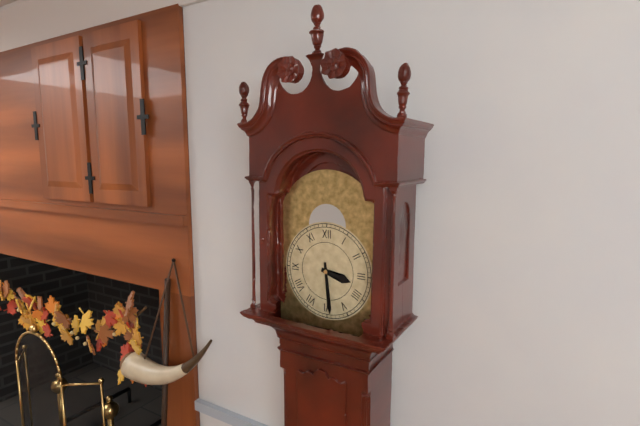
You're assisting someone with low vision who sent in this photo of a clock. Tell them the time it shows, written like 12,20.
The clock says 3,29
